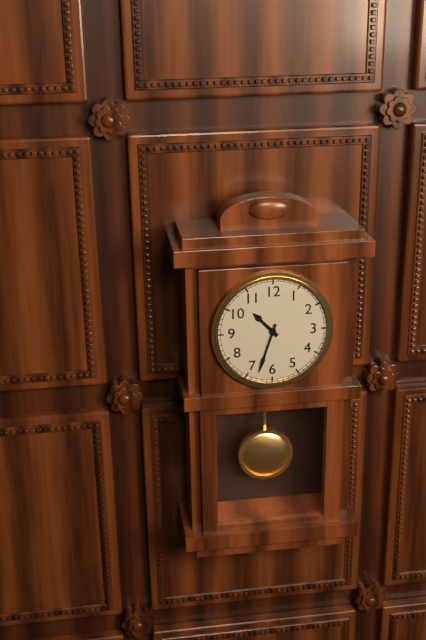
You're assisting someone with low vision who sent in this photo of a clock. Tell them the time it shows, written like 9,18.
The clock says 10,33
